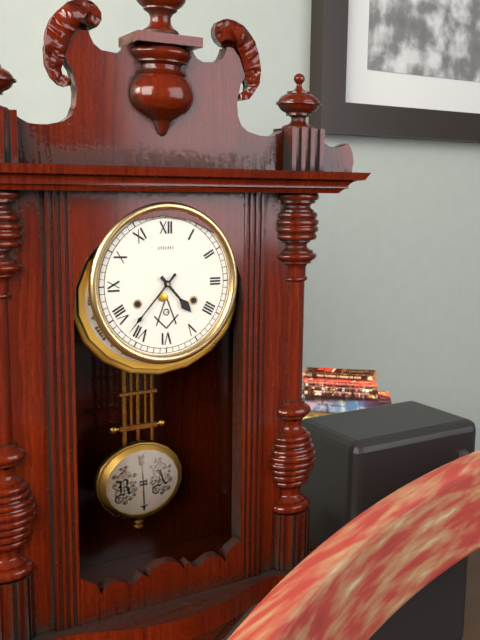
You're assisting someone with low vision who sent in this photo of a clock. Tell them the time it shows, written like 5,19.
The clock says 4,37
